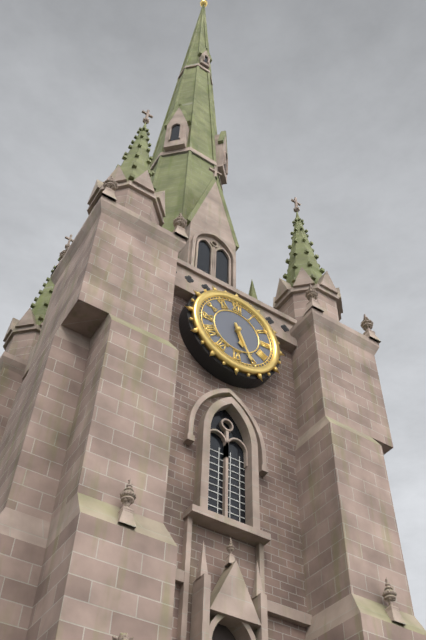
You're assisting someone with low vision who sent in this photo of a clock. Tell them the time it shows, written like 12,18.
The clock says 5,26
